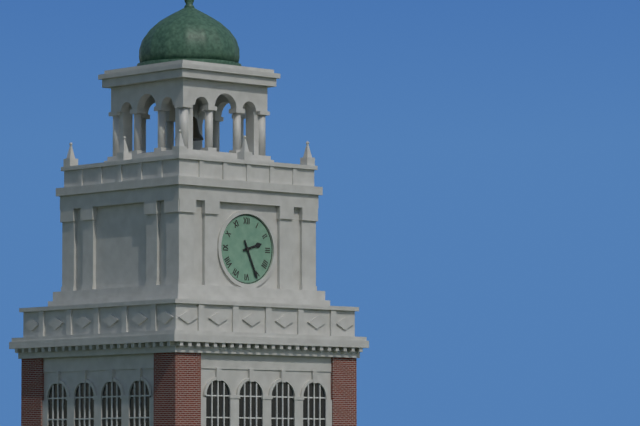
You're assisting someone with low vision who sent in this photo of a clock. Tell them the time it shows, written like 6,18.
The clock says 2,26
